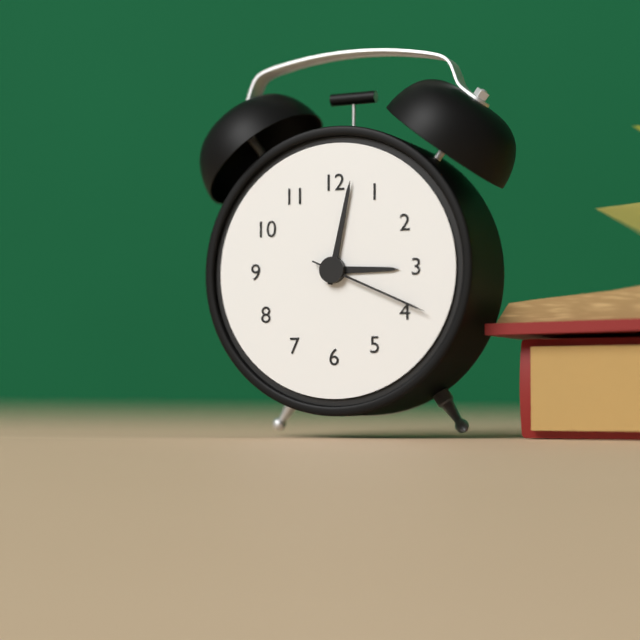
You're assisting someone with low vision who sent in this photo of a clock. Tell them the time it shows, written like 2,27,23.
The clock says 3,02,19
